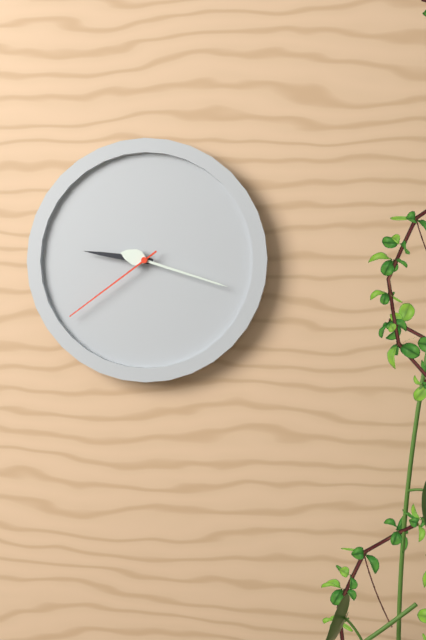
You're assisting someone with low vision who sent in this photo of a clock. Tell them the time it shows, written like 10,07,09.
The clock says 9,18,39
